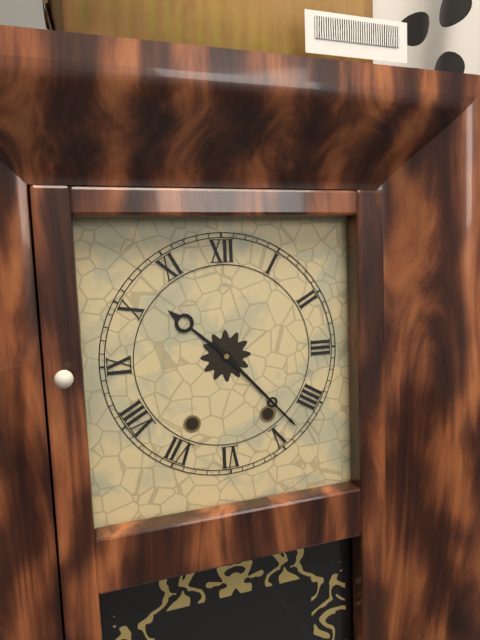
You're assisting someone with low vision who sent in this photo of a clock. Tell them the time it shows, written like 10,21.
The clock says 10,23
